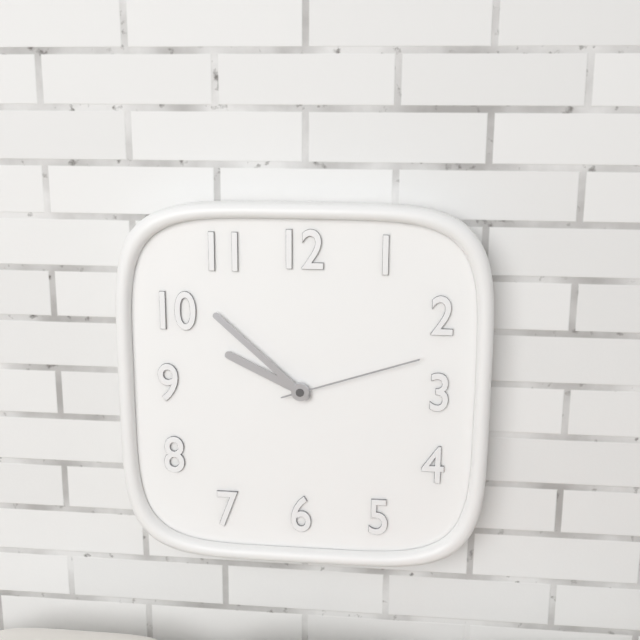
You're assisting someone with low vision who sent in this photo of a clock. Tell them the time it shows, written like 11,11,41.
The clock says 9,52,12
